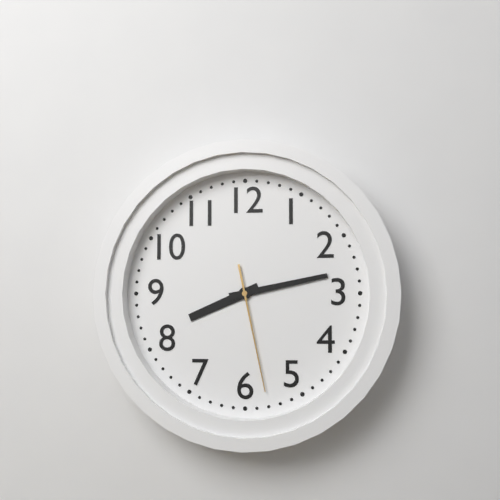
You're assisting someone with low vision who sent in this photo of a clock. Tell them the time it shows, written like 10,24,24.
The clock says 8,13,28
